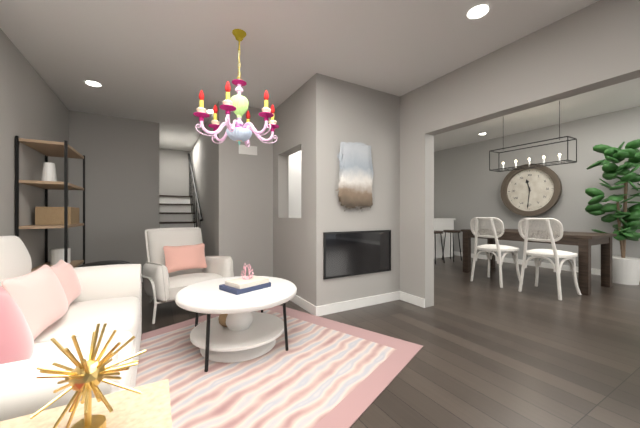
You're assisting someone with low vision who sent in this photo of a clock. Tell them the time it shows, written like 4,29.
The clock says 11,31
